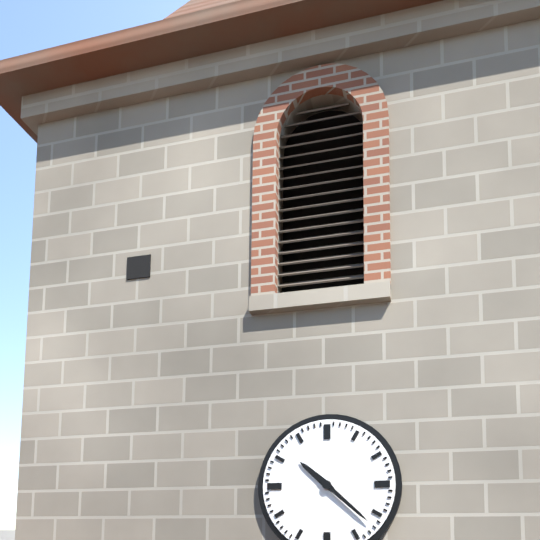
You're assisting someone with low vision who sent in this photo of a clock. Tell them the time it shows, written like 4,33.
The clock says 10,22
